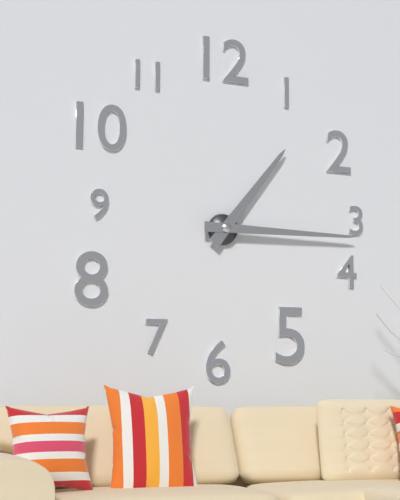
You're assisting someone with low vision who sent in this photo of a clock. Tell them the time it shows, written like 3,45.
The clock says 1,15
